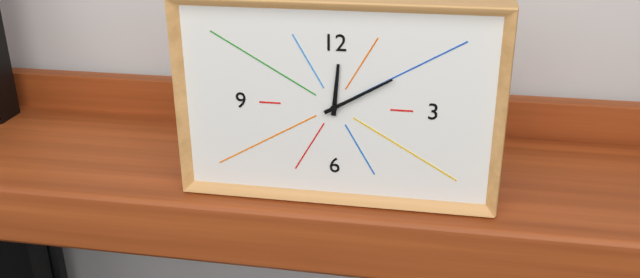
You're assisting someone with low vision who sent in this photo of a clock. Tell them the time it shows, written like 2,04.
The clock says 12,10
